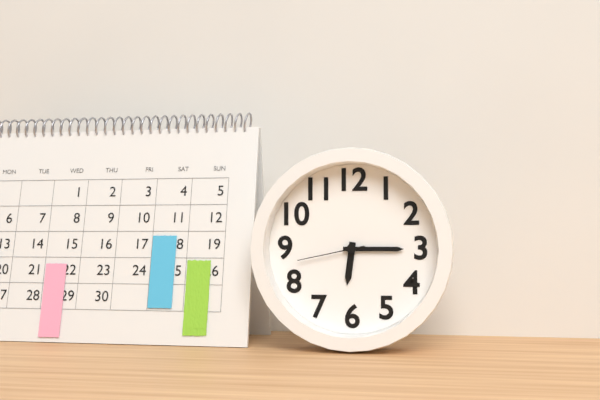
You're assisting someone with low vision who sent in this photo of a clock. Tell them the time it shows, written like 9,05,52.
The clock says 6,15,43
